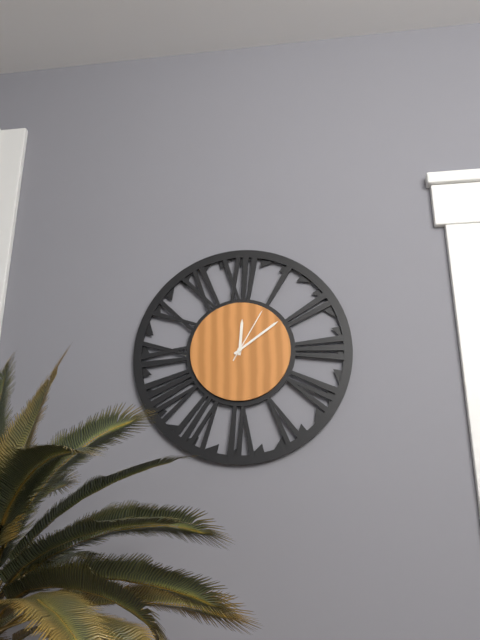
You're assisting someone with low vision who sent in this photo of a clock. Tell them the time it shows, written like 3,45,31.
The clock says 12,09,05
